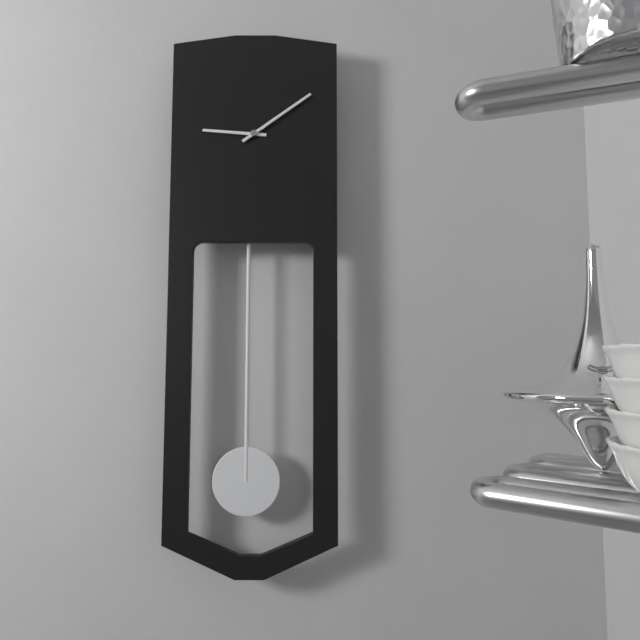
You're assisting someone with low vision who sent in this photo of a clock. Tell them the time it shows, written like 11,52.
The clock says 9,09
